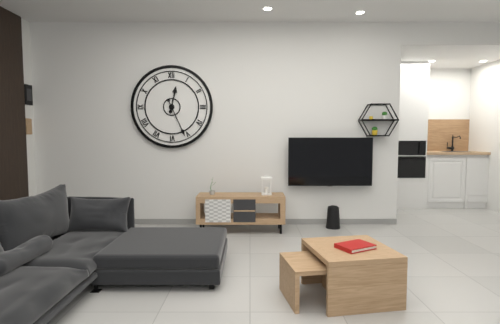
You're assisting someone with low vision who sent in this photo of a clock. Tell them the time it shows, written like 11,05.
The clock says 12,26
